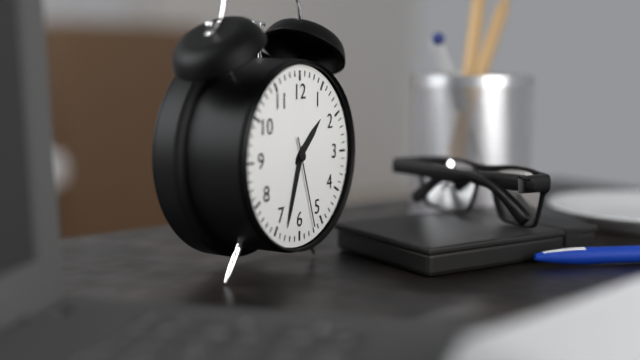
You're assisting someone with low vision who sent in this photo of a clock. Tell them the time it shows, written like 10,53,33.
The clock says 1,33,27
